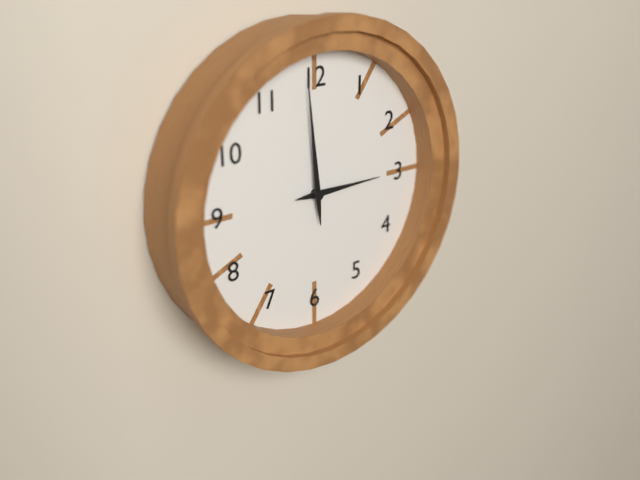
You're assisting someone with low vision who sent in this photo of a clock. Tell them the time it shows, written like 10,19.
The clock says 2,59
